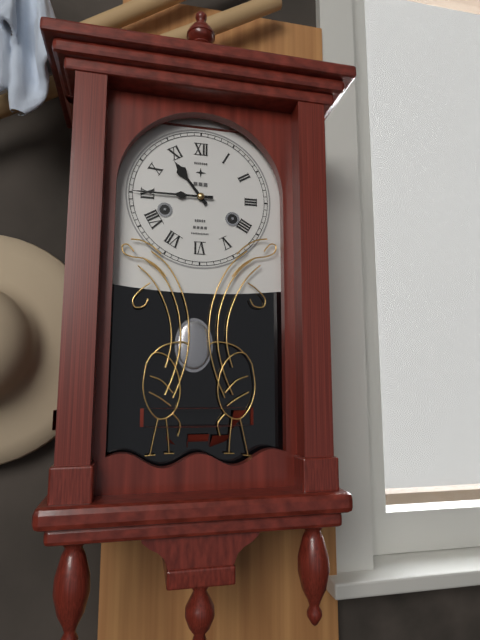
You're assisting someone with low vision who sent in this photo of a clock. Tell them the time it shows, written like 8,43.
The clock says 10,45
